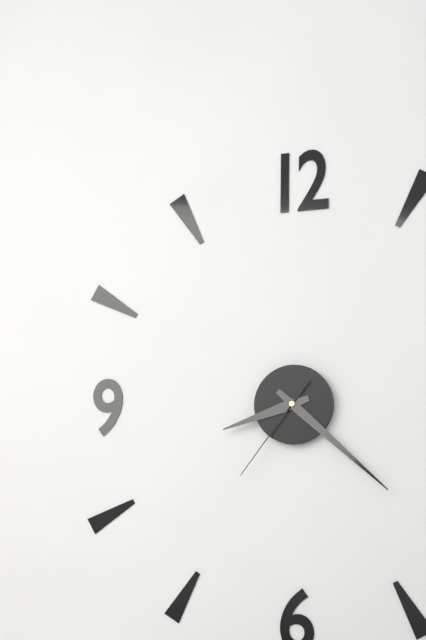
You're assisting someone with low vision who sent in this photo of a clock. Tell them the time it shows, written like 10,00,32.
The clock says 8,22,36
